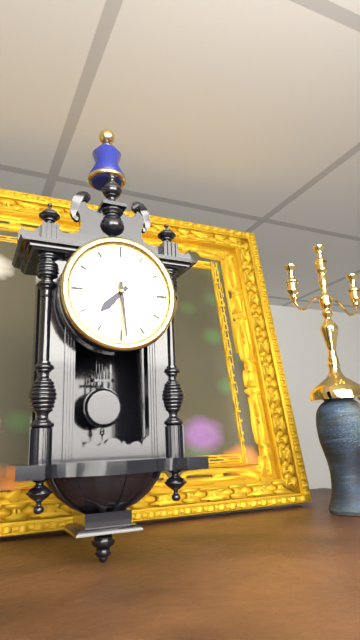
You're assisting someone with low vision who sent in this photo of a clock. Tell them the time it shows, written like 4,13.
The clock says 7,29
